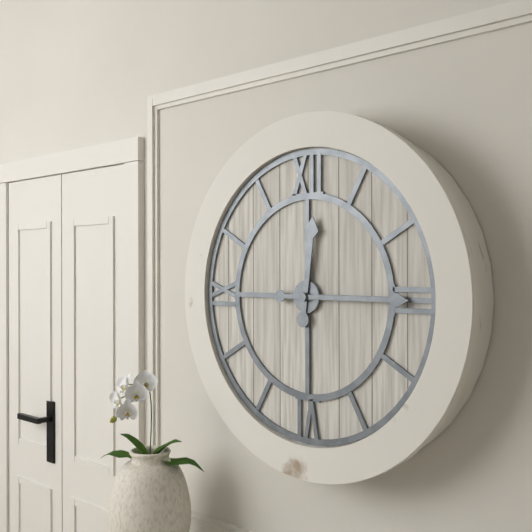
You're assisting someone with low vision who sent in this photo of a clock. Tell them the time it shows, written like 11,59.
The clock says 12,15
